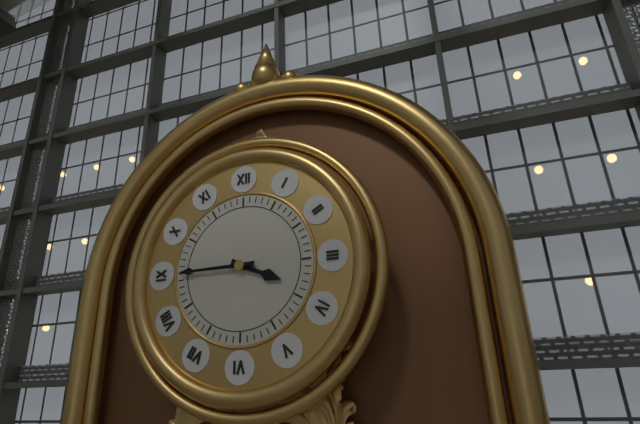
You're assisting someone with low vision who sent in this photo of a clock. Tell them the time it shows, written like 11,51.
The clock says 3,45
